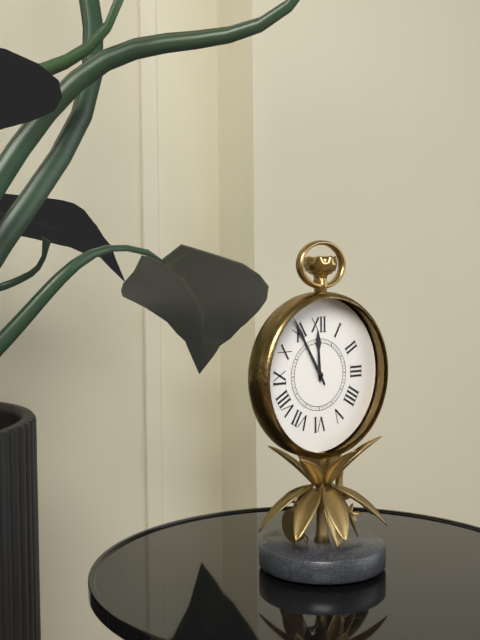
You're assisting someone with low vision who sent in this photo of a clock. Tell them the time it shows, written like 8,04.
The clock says 11,55
